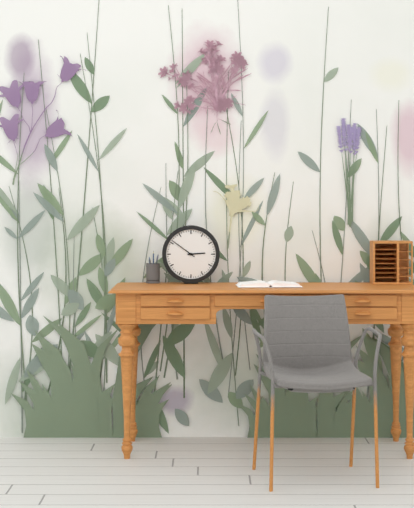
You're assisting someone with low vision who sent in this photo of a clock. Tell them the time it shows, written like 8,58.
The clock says 2,51
